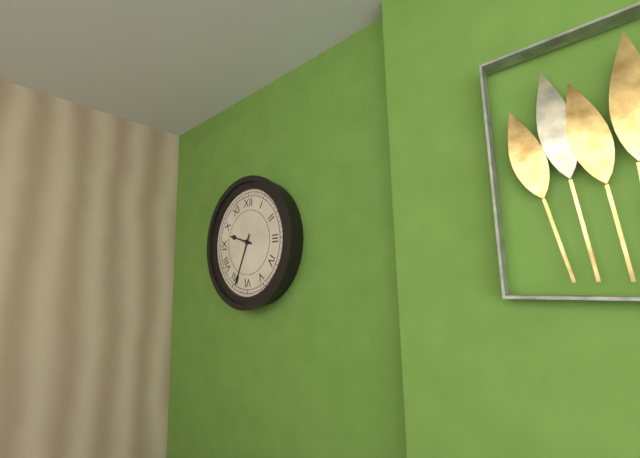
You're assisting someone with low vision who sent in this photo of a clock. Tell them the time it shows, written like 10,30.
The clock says 9,34
